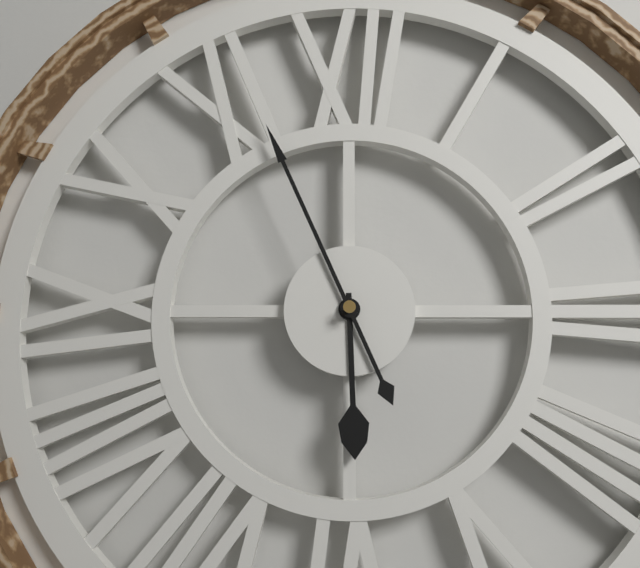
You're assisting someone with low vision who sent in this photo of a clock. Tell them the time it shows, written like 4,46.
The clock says 5,56
